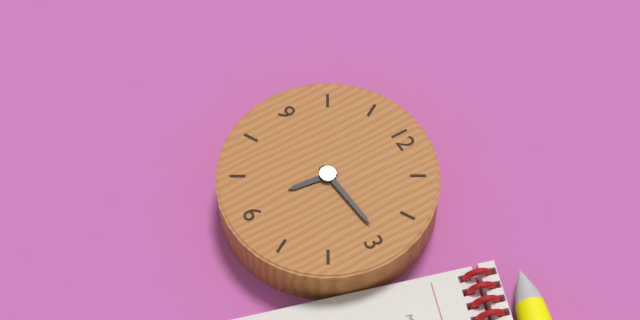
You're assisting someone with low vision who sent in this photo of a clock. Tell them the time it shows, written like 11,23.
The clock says 6,14
